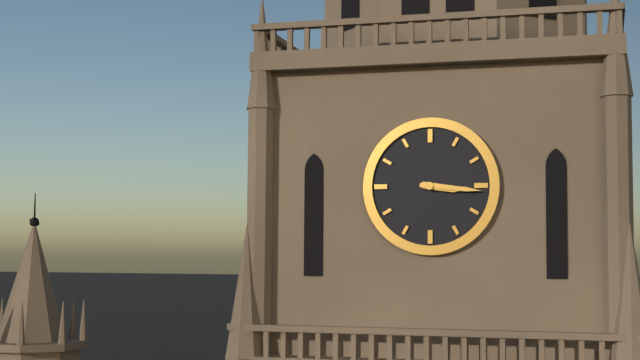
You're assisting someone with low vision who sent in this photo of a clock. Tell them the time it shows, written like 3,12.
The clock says 3,16
